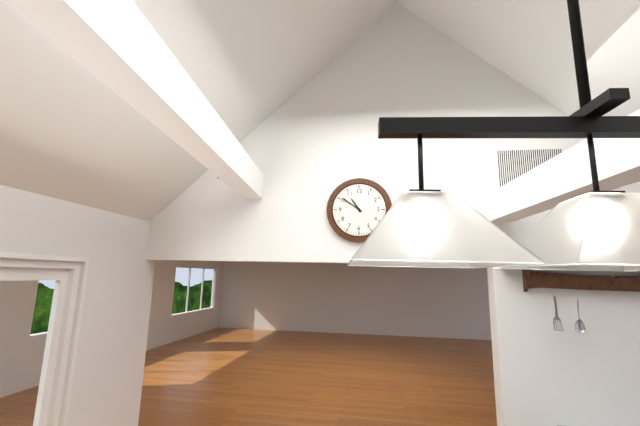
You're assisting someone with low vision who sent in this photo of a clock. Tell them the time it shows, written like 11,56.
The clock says 10,51
